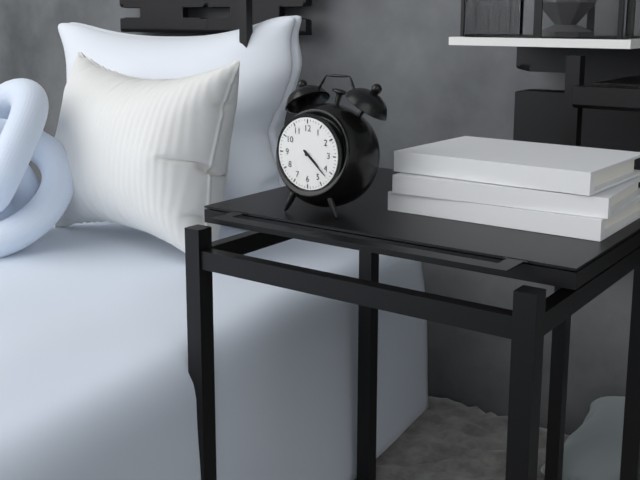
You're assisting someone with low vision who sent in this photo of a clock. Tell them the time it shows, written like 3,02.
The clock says 4,22
